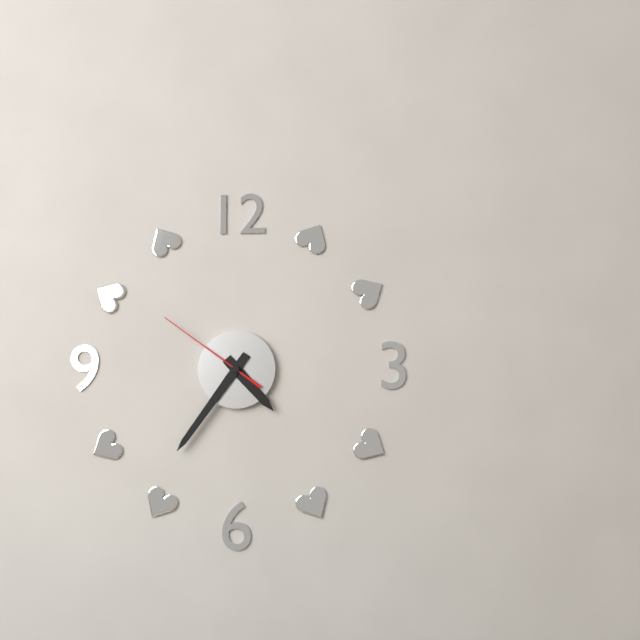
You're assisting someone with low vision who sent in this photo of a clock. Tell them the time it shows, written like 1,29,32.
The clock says 4,36,51
